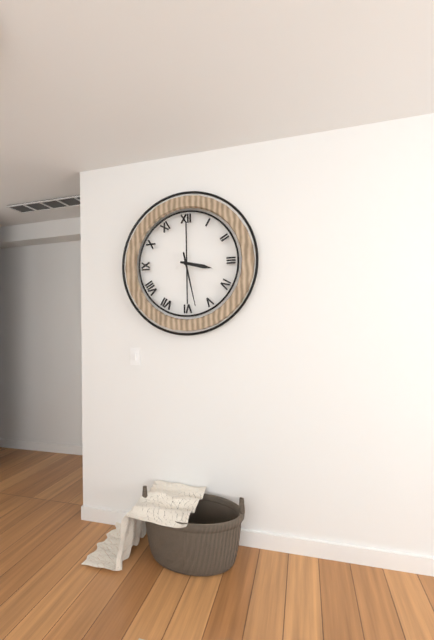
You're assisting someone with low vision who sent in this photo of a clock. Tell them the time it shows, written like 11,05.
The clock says 3,28
